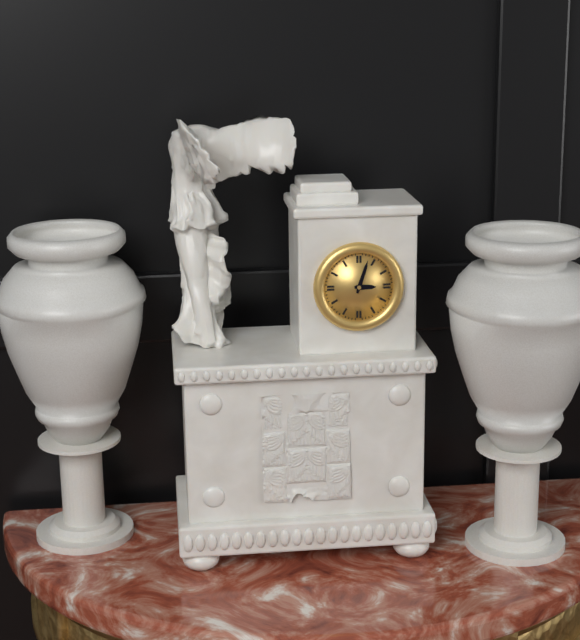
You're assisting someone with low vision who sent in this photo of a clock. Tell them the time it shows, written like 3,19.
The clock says 3,03
